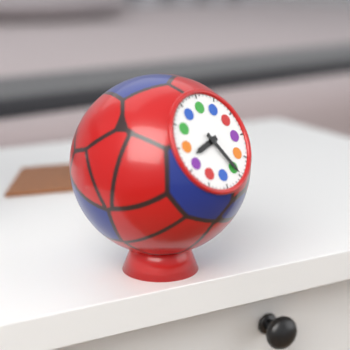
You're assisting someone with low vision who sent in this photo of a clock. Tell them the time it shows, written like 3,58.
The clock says 8,25
